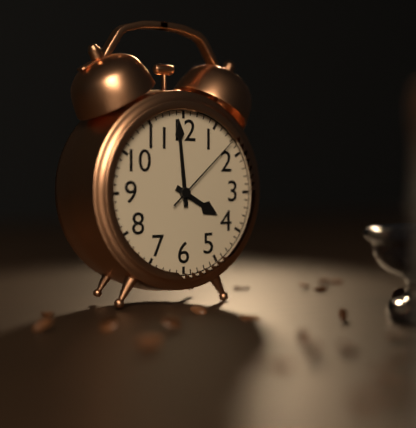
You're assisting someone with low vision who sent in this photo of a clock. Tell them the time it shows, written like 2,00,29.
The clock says 3,59,08
